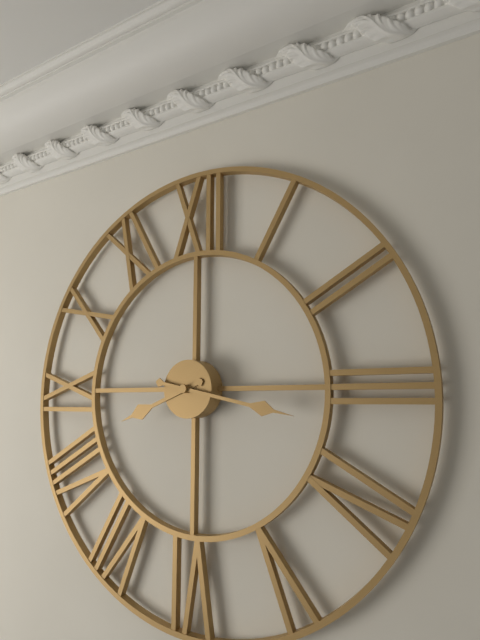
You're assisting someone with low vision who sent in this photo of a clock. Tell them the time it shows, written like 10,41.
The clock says 8,17
